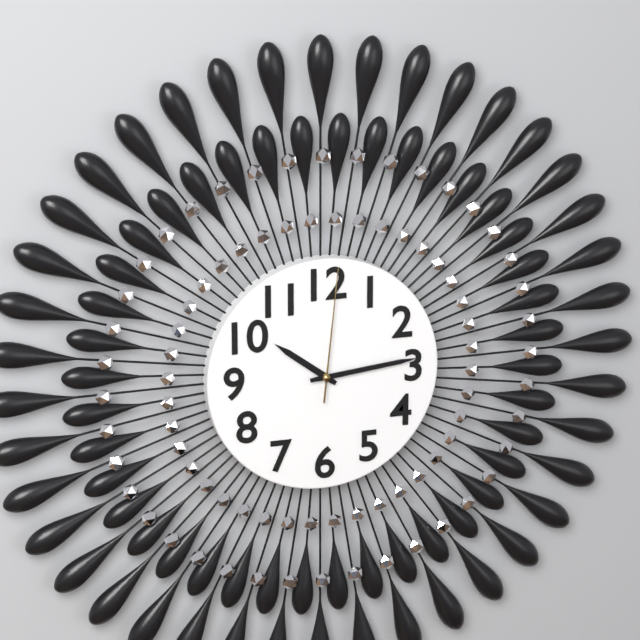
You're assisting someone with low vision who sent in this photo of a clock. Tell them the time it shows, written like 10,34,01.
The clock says 10,14,01
